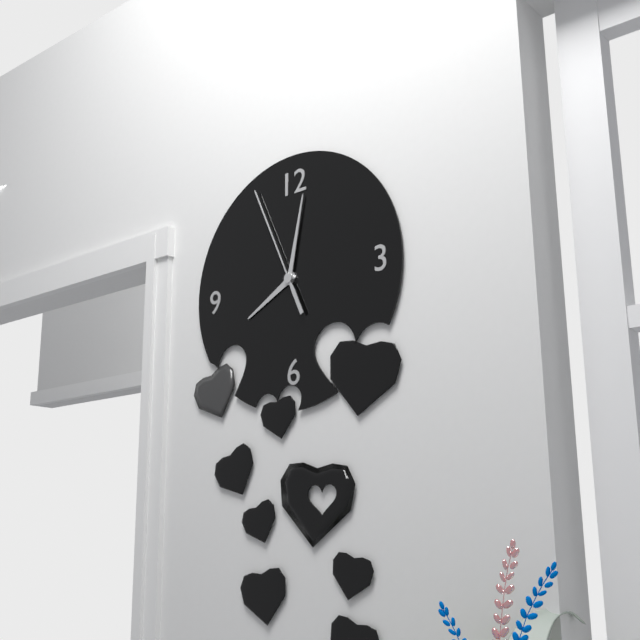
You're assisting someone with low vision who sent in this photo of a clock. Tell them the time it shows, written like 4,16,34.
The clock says 8,02,56
